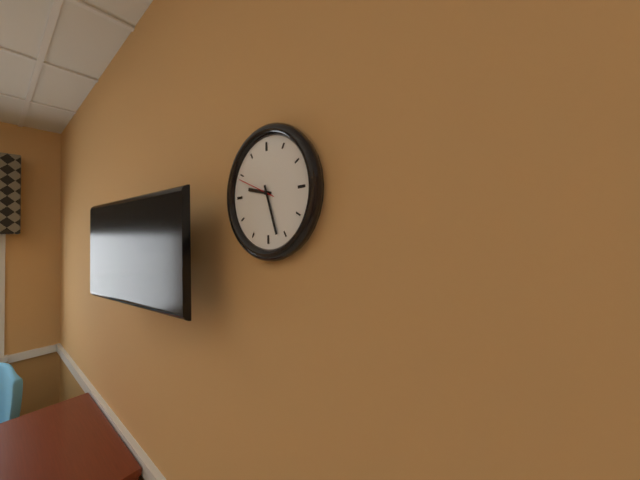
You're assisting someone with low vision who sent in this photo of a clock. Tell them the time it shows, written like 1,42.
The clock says 9,27
